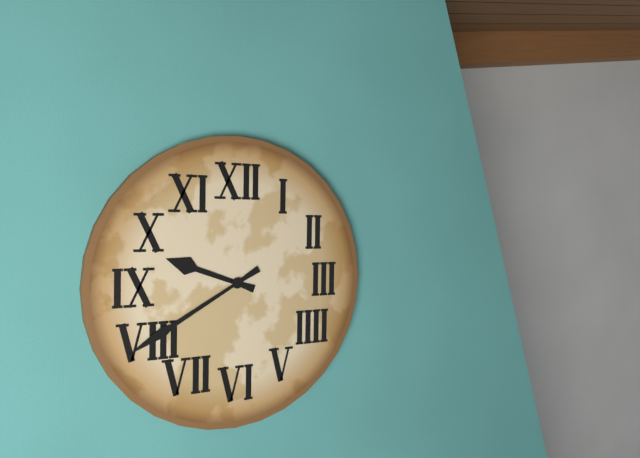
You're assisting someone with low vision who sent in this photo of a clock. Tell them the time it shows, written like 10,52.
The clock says 9,40
